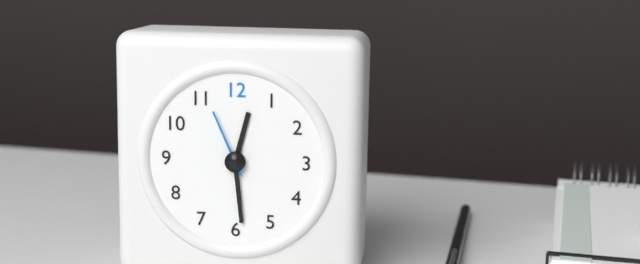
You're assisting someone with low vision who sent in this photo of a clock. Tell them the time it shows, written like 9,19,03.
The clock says 12,29,56
